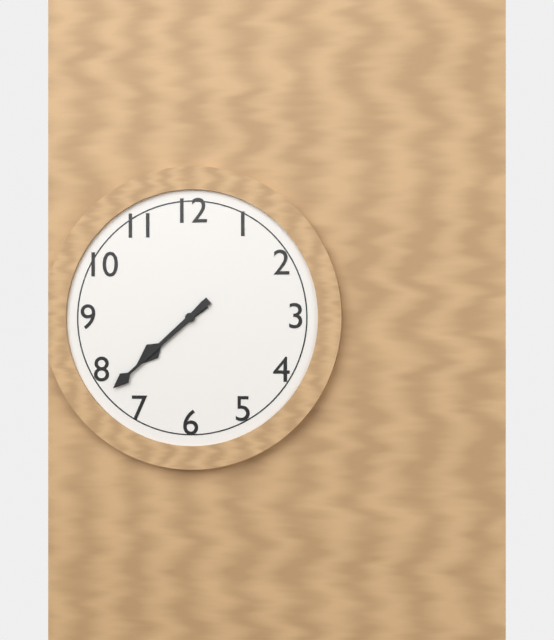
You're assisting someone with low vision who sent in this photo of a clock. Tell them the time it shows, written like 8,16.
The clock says 7,38
